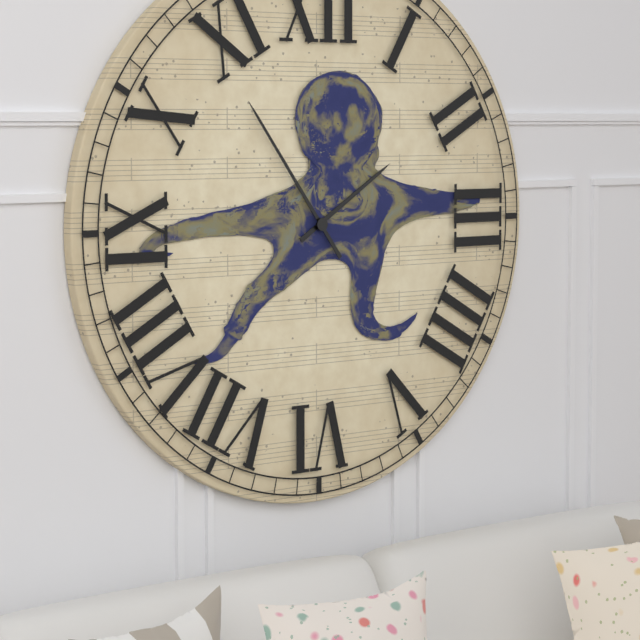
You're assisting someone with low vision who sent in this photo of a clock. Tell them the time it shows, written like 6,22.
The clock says 1,54
